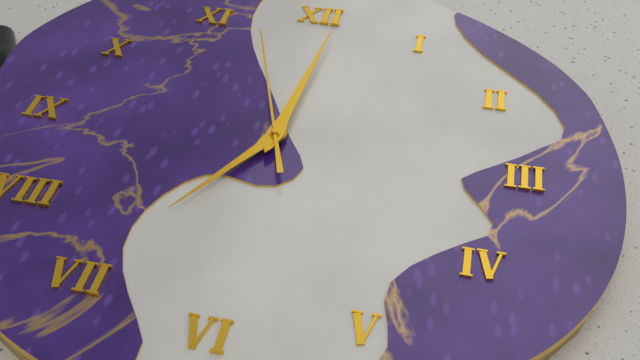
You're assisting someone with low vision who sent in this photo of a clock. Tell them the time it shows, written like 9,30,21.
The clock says 7,01,57
